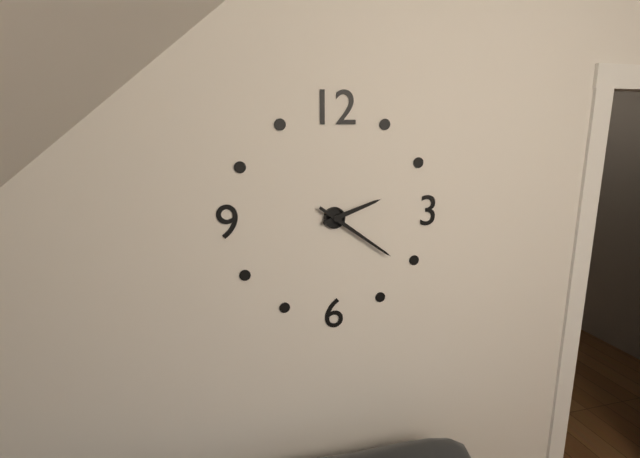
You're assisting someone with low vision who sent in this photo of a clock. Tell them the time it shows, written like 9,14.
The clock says 2,21
